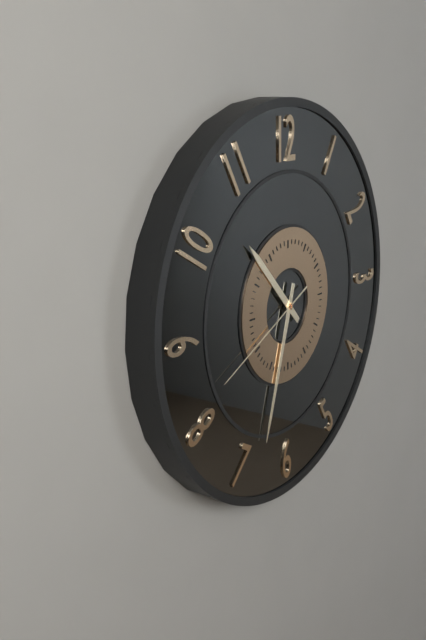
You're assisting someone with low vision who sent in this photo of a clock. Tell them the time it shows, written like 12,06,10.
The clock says 10,33,41
